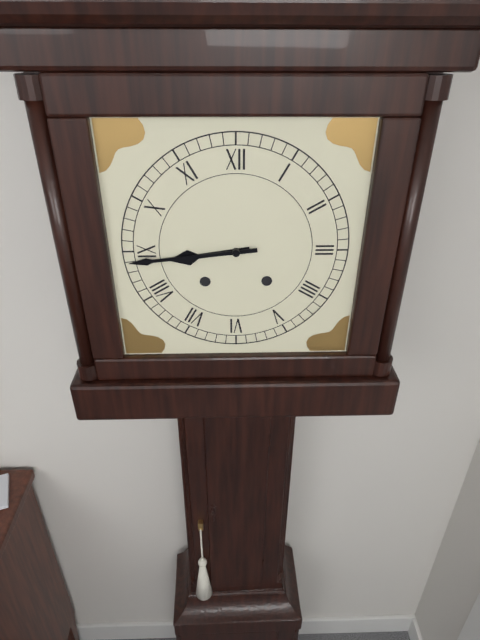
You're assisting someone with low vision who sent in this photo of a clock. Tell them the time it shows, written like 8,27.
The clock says 8,44
